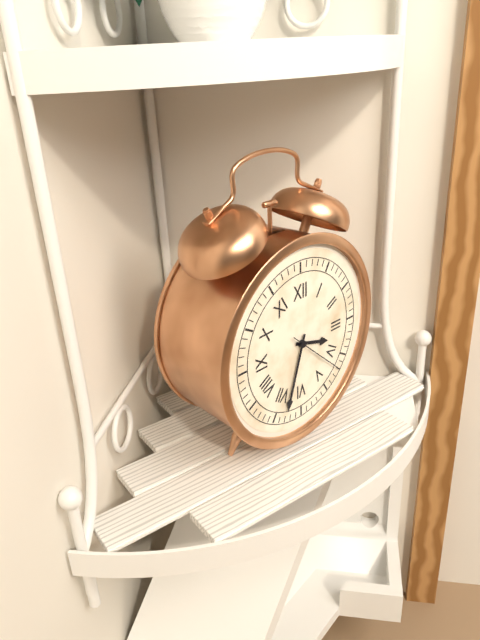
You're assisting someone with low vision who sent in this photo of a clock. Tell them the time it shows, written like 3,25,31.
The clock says 3,33,22
